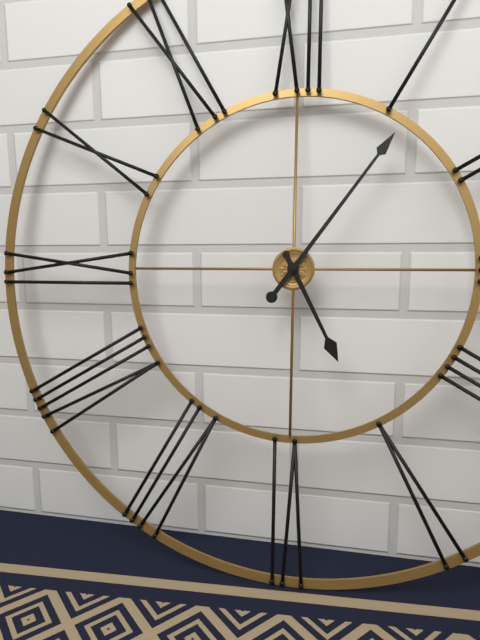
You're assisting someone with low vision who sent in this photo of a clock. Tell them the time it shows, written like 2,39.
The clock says 5,06
